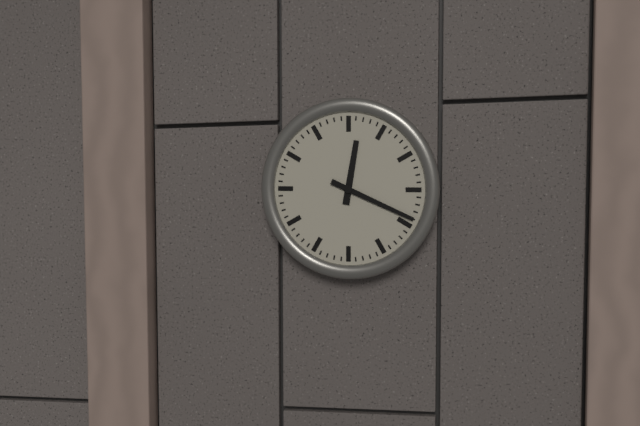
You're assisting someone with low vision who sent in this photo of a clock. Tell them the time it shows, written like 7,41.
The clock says 12,19
